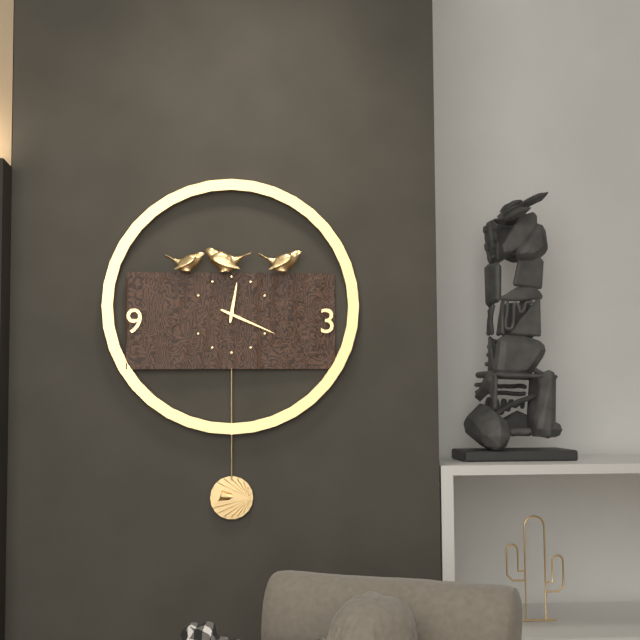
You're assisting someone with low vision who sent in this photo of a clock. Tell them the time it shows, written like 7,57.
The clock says 12,19
